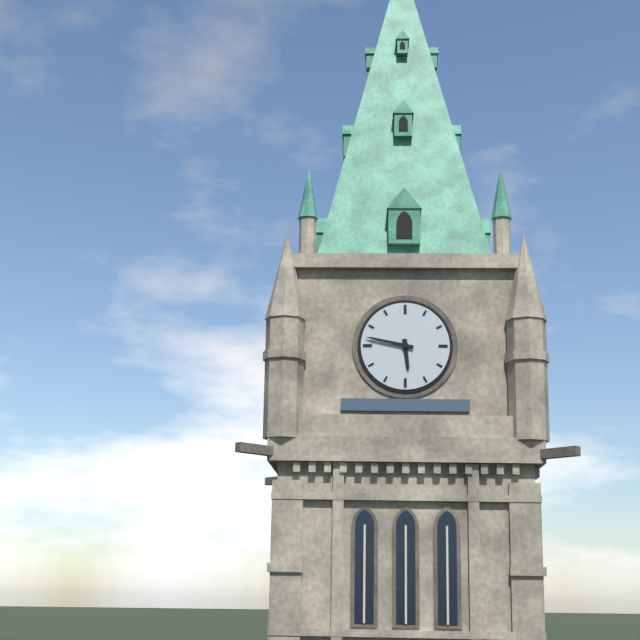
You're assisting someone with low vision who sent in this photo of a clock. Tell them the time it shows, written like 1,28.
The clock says 5,47
